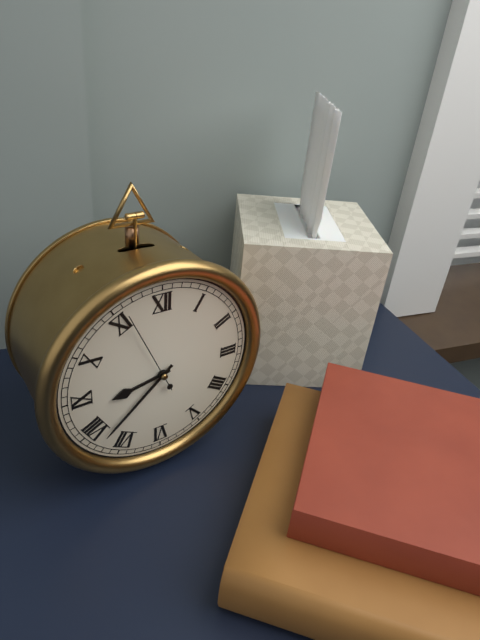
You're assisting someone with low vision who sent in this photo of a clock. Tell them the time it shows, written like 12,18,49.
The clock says 8,38,56
